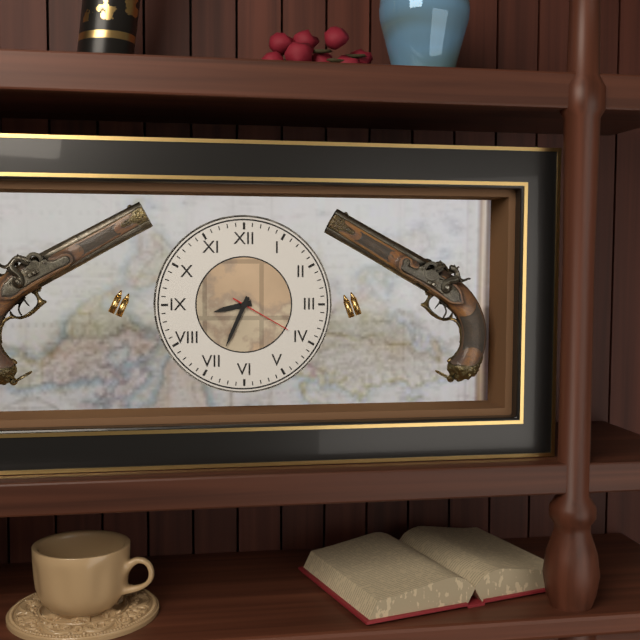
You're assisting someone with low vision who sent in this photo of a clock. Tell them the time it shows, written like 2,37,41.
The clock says 8,34,20
